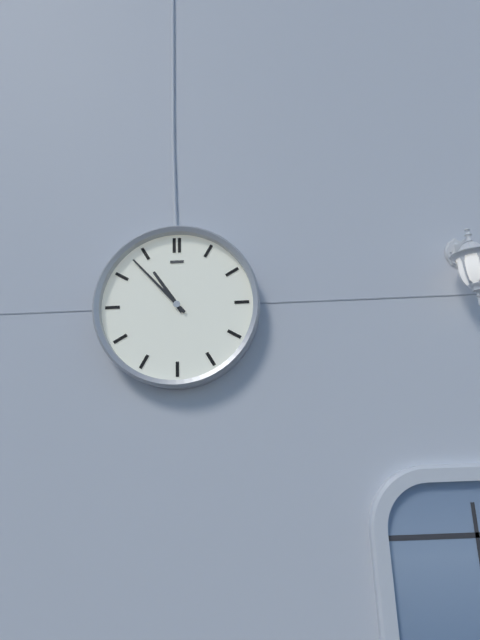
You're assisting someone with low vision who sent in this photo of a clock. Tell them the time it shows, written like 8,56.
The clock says 10,53
